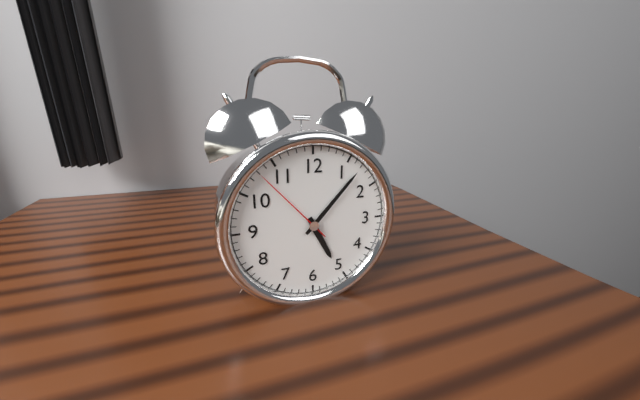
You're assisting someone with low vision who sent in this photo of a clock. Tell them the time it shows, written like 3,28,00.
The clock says 5,07,53
